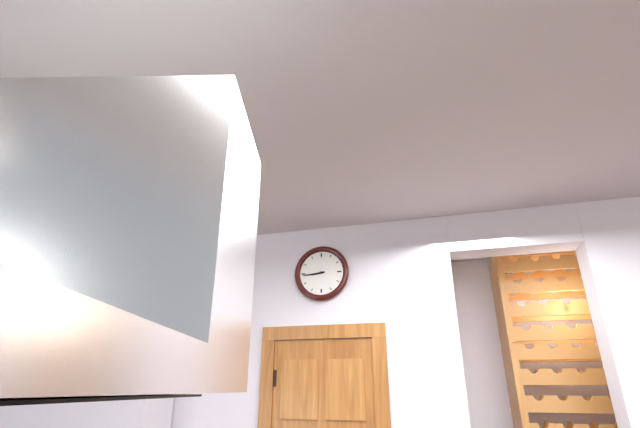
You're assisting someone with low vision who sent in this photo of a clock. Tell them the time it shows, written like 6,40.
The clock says 8,44
